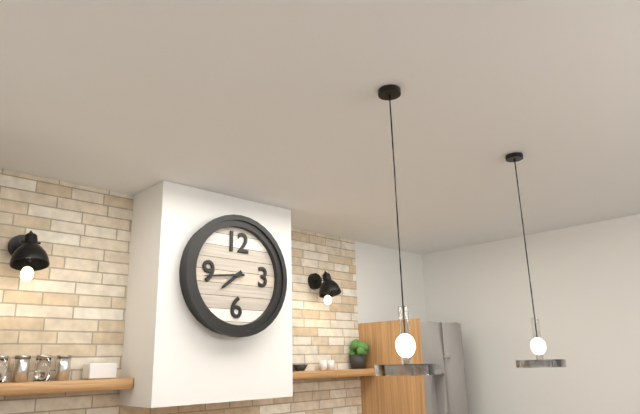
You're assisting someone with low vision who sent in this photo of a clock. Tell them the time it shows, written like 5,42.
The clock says 7,44
